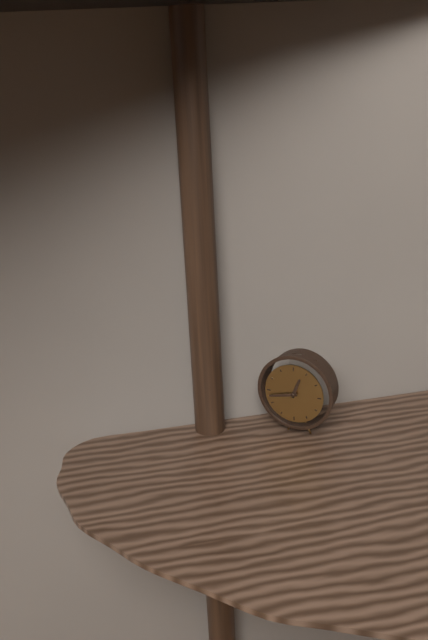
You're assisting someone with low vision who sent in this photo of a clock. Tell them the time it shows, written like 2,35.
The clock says 12,43
